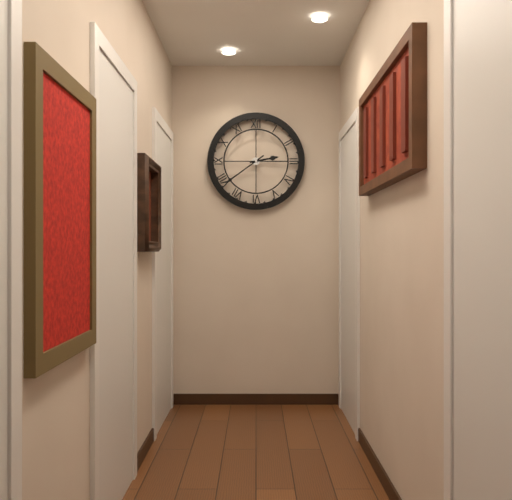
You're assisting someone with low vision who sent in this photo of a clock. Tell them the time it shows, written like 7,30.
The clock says 2,39
